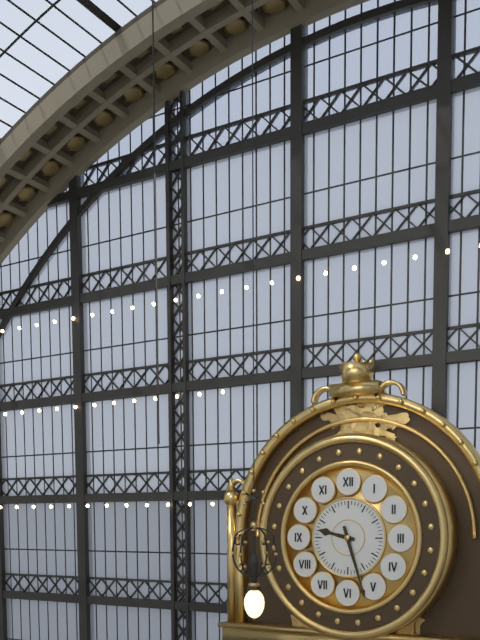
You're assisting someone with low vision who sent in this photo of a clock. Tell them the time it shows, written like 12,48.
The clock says 9,27
